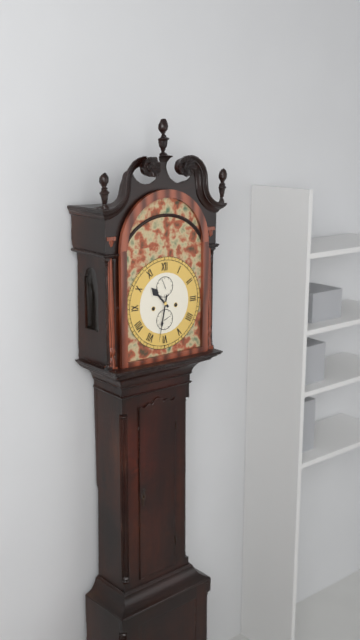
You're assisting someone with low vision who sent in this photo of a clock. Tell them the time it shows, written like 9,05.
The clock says 10,32
